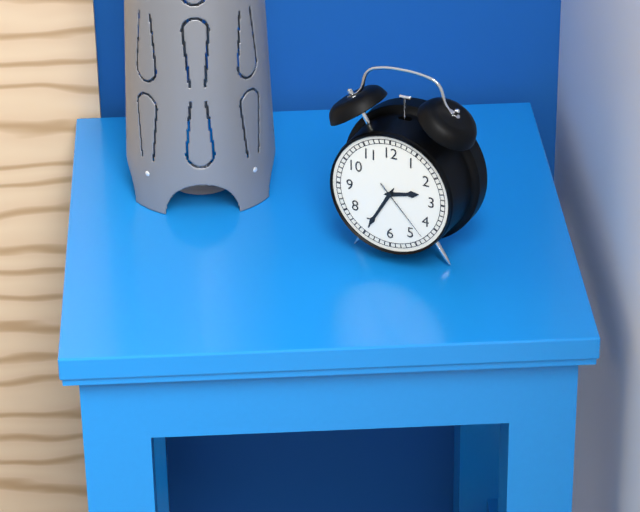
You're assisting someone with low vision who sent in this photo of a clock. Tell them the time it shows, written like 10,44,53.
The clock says 2,35,23
